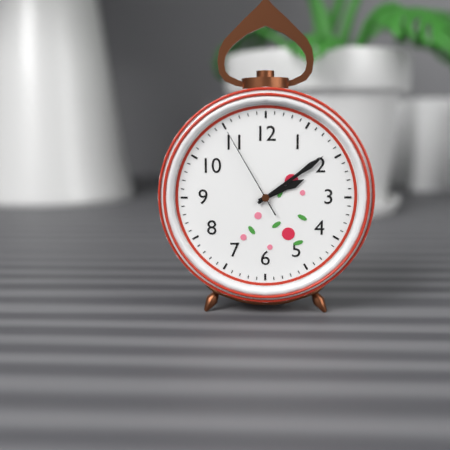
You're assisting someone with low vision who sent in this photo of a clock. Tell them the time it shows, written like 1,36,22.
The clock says 2,09,55
